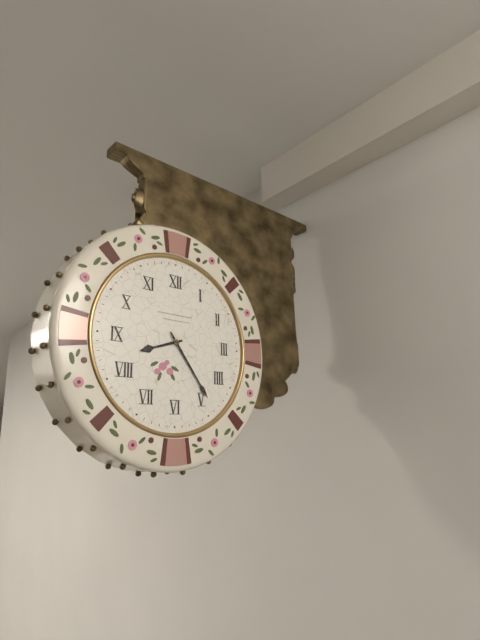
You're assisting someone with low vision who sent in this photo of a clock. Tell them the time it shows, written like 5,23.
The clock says 8,24
